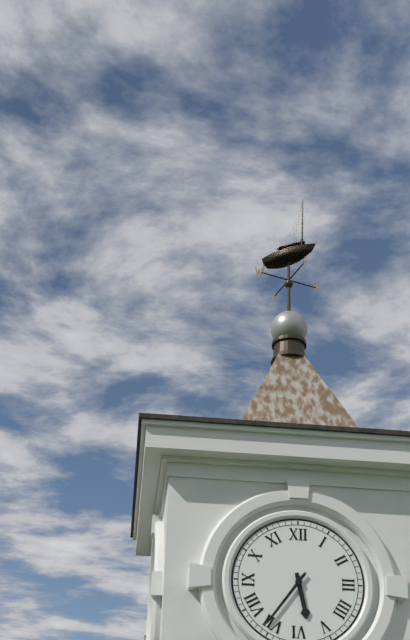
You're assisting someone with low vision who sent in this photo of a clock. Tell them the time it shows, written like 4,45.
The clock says 5,36
